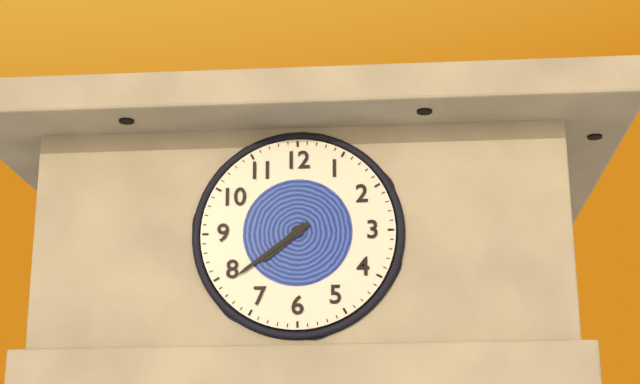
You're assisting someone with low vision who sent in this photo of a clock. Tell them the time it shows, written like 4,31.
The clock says 7,39
